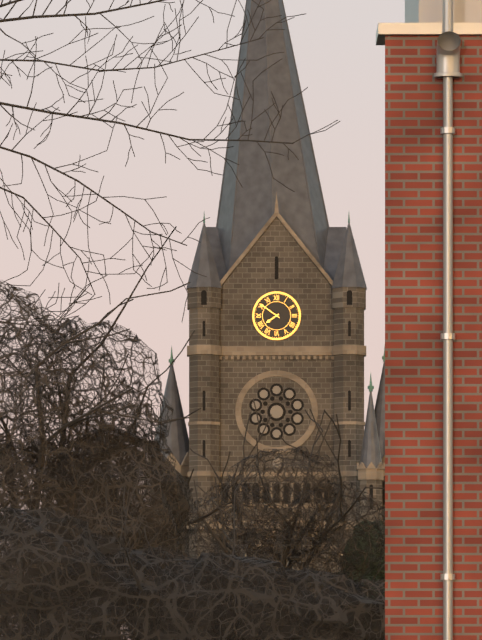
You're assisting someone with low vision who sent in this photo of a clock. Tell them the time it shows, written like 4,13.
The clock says 7,51
